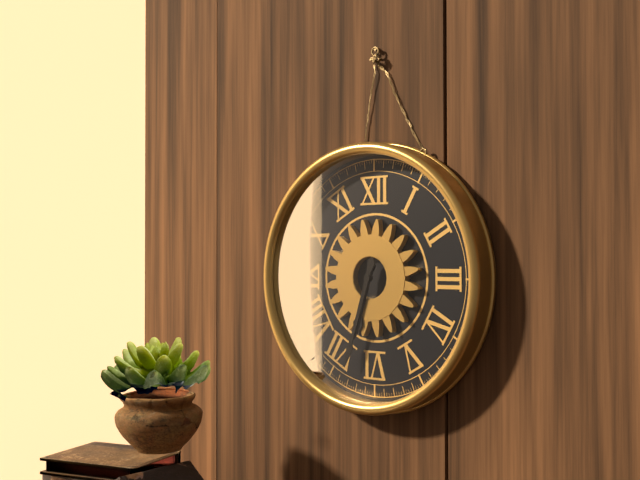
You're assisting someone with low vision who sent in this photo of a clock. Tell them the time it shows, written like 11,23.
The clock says 6,33
